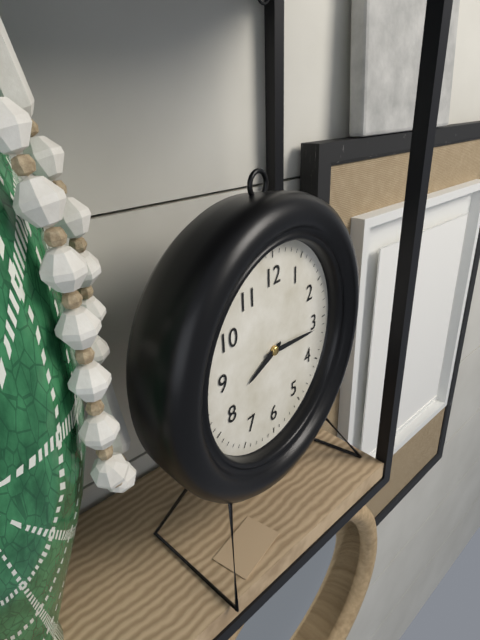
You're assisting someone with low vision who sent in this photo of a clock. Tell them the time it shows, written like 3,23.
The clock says 8,16
